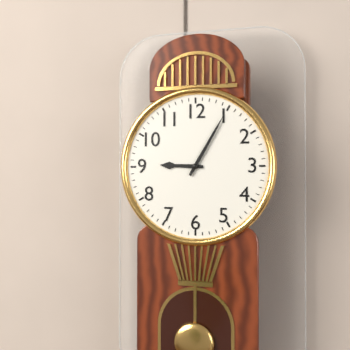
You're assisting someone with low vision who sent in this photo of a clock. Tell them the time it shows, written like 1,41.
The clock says 9,05
